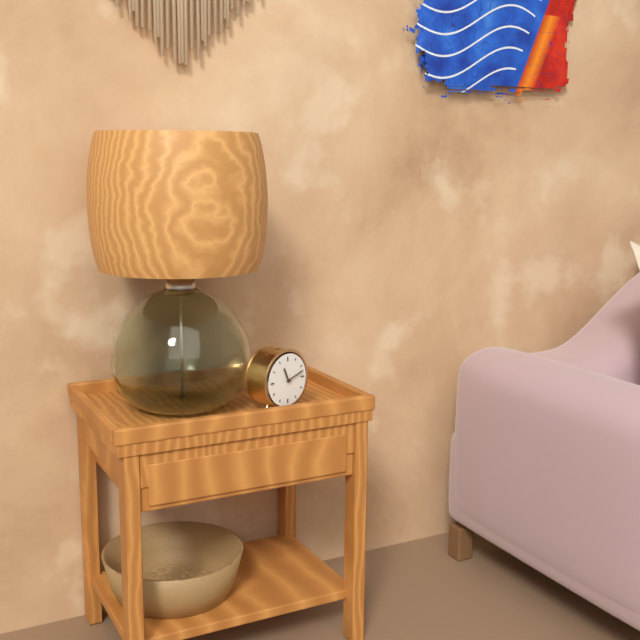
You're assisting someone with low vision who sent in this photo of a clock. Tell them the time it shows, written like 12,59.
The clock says 11,12
